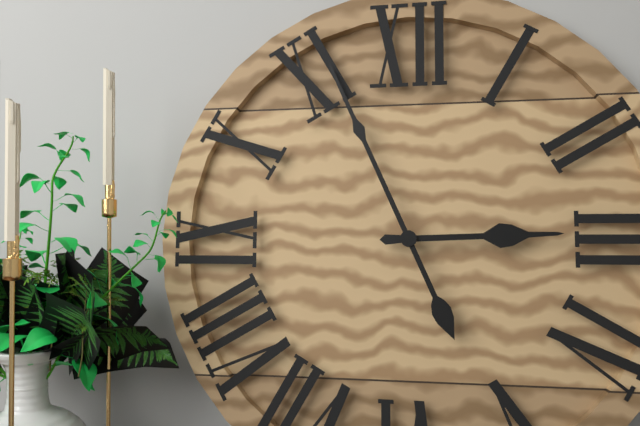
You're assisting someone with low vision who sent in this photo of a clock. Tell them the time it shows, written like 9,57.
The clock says 2,56
